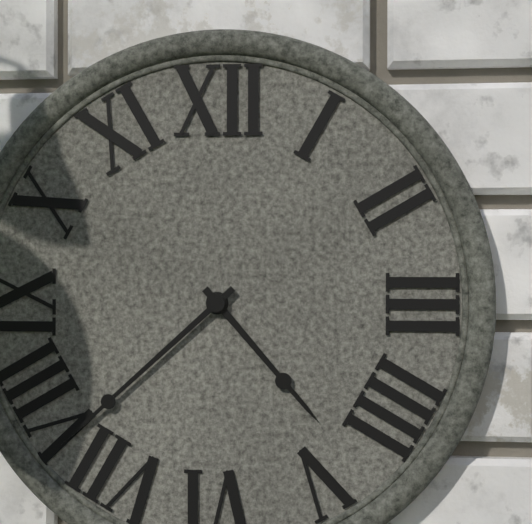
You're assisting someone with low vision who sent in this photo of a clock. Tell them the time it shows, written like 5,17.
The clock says 4,38
